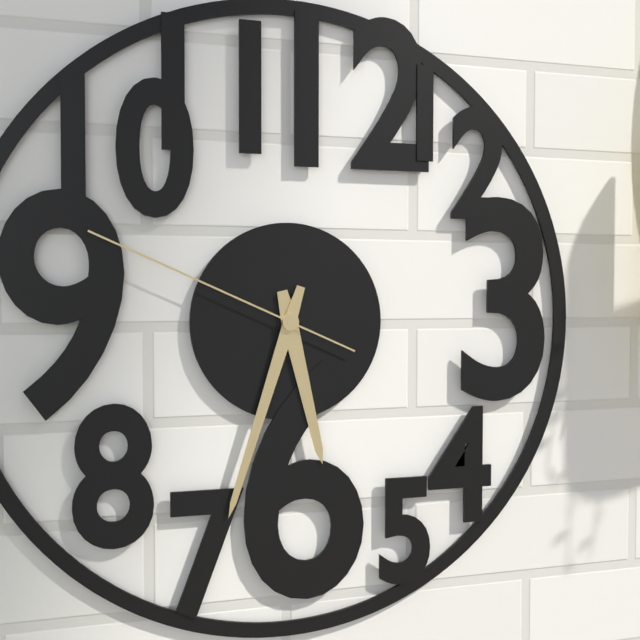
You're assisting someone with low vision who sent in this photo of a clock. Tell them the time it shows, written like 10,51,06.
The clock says 5,33,49
